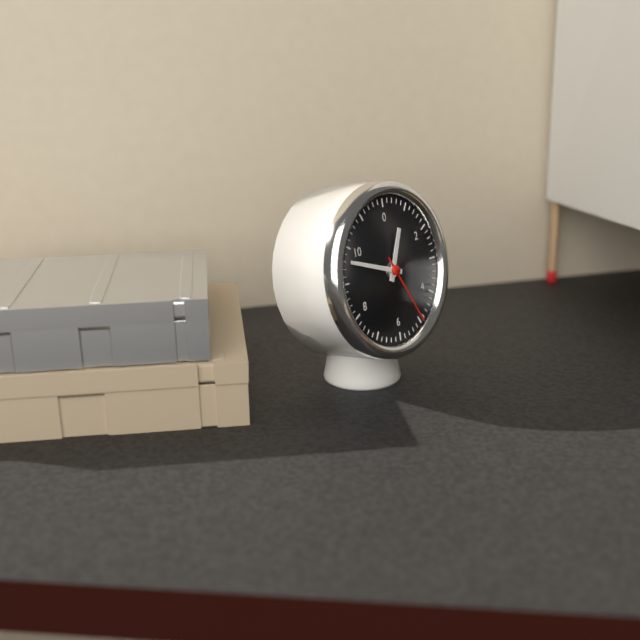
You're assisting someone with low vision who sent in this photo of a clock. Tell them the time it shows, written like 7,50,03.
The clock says 12,48,25
